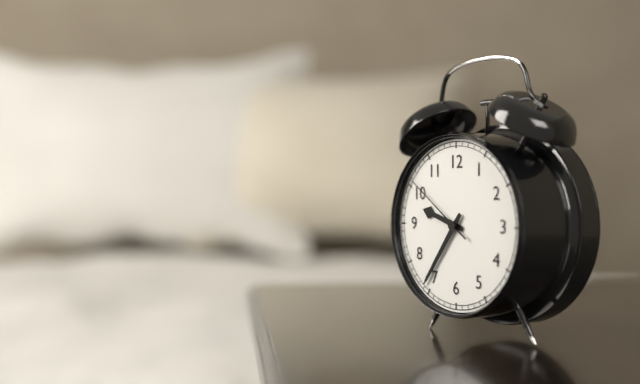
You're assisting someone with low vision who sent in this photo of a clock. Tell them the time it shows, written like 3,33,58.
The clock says 9,36,51
